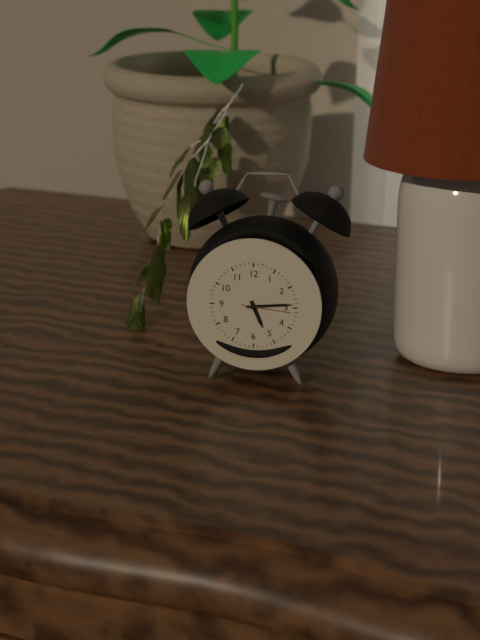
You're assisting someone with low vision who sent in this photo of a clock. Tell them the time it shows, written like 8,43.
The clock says 5,14
